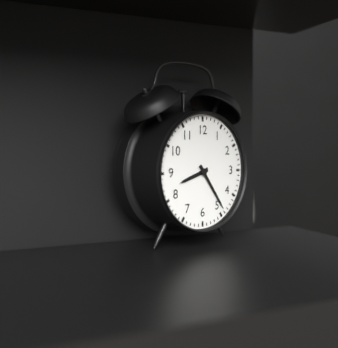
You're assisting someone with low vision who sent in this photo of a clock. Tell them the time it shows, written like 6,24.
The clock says 8,24
